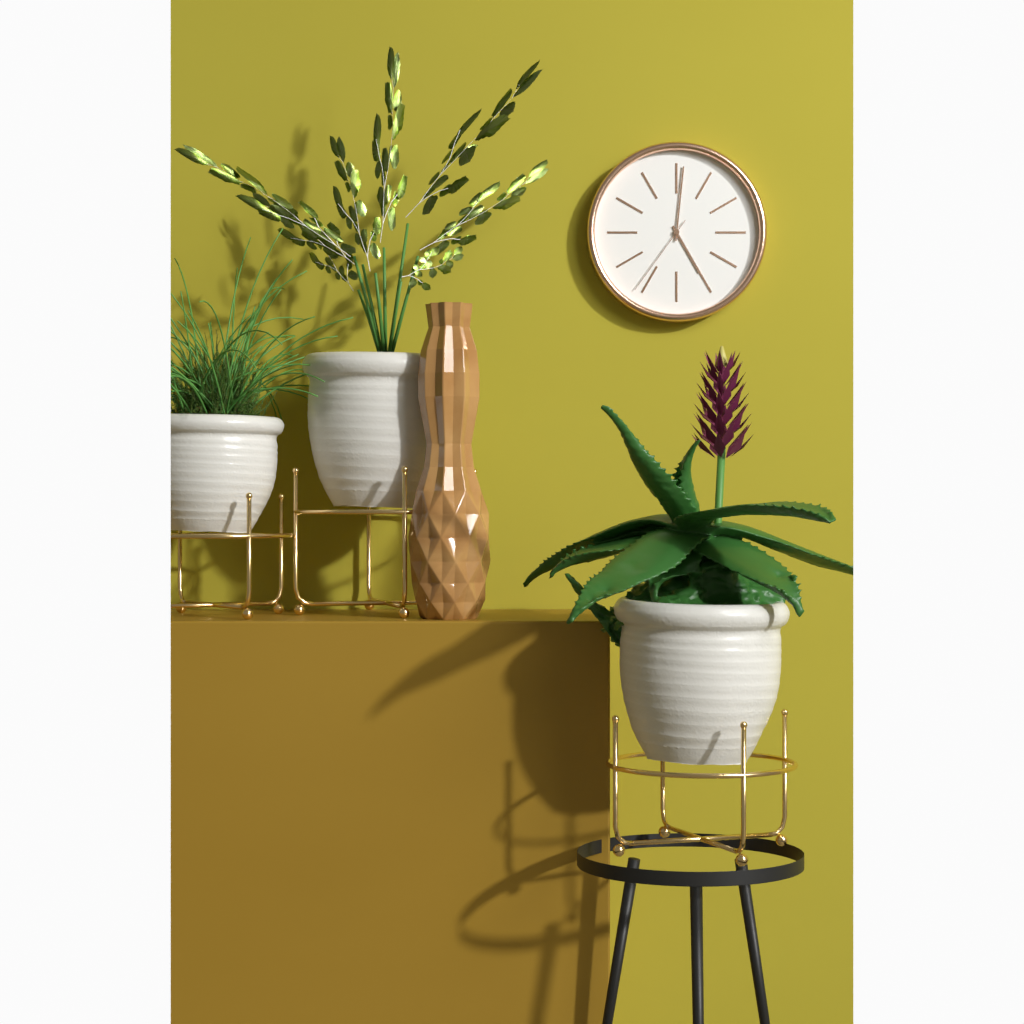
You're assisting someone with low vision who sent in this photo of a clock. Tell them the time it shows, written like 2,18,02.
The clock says 5,01,36
